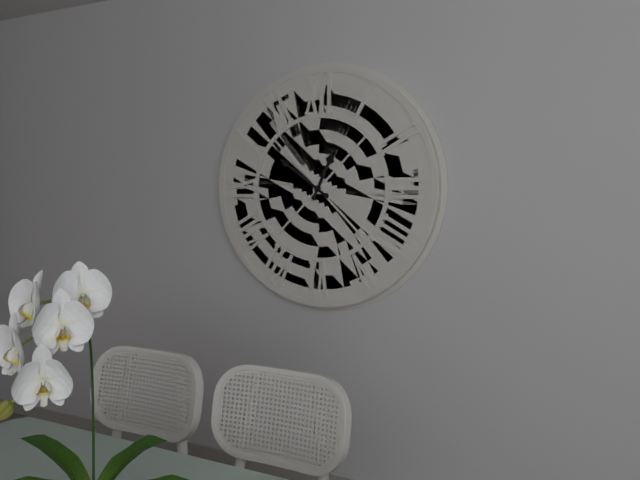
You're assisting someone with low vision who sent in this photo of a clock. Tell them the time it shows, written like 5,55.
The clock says 12,51
